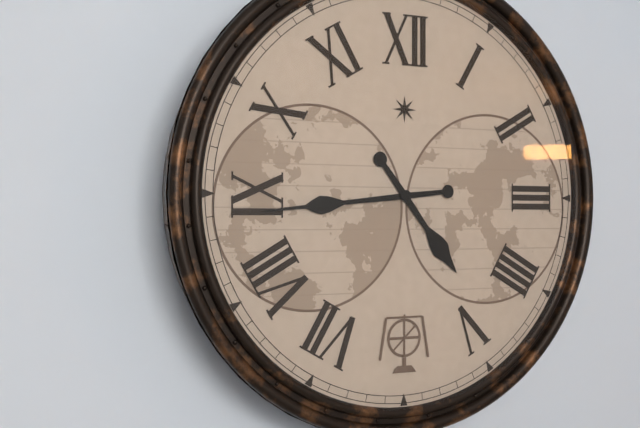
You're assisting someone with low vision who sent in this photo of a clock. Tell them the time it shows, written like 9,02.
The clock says 4,44
